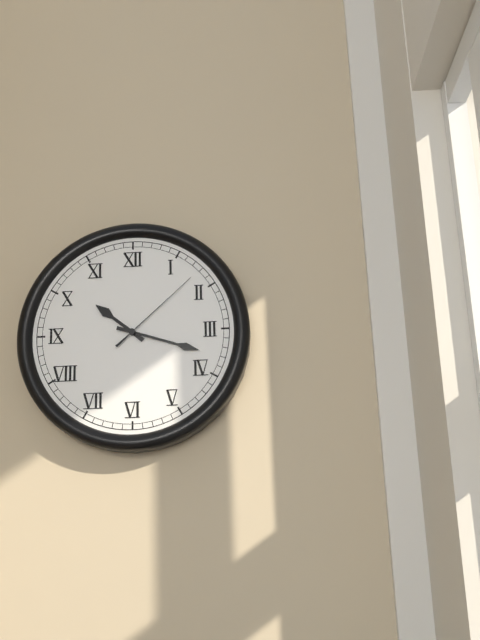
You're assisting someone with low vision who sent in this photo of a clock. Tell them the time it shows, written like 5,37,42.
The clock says 10,18,08
